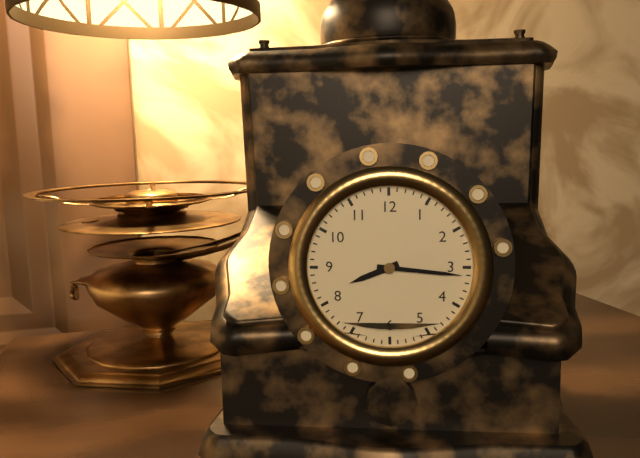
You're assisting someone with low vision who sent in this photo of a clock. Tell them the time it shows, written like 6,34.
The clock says 8,16
